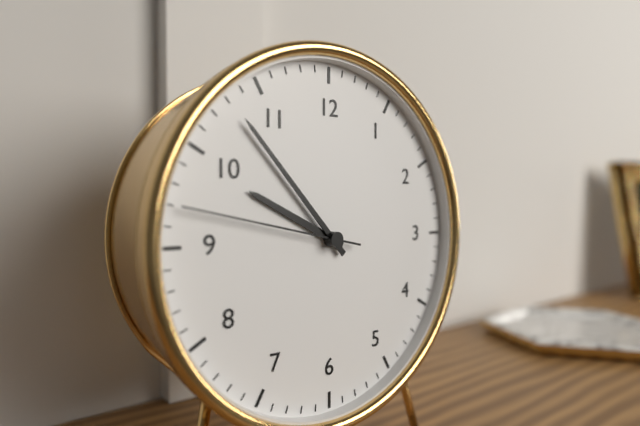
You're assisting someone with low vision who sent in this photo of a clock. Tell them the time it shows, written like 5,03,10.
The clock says 9,53,47
